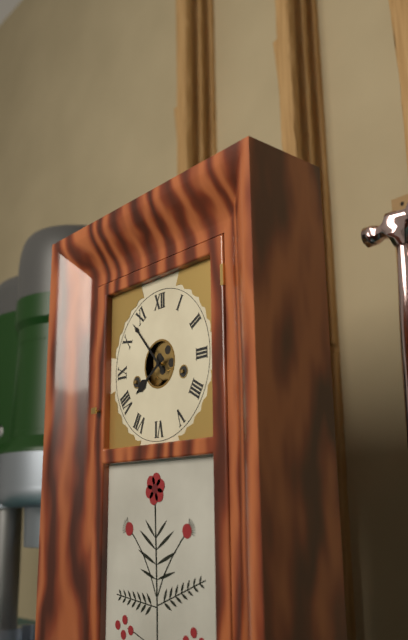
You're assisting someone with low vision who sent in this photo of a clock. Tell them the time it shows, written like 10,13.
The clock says 7,53
